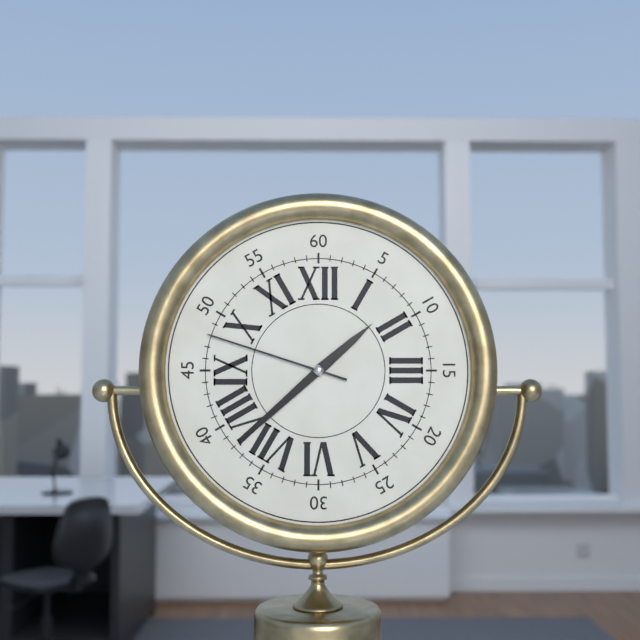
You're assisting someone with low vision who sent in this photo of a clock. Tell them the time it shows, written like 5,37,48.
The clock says 1,38,48
